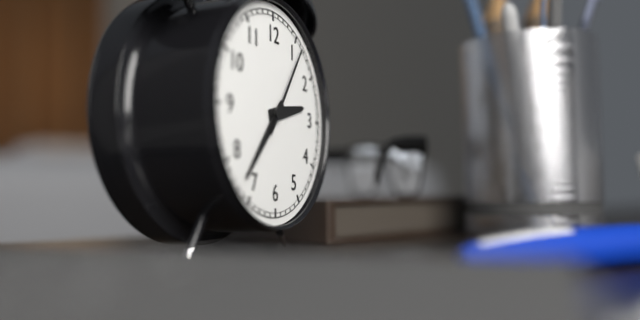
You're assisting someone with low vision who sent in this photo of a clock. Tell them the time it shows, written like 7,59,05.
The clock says 2,37,06
